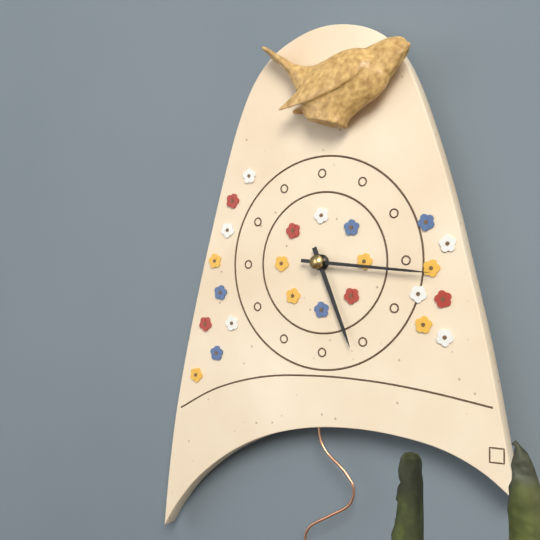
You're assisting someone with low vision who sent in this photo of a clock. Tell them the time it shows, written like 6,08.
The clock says 5,16
